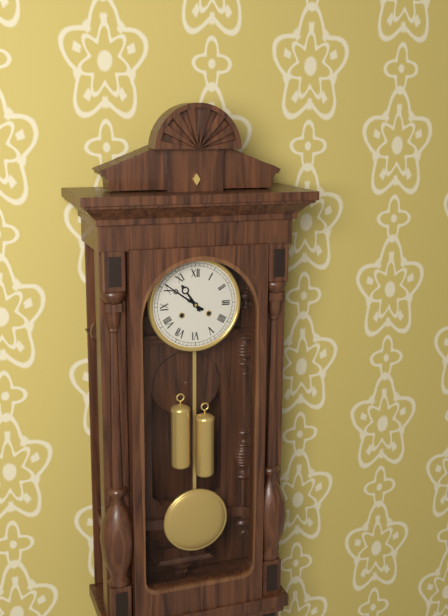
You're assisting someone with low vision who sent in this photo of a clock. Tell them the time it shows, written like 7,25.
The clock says 10,51
